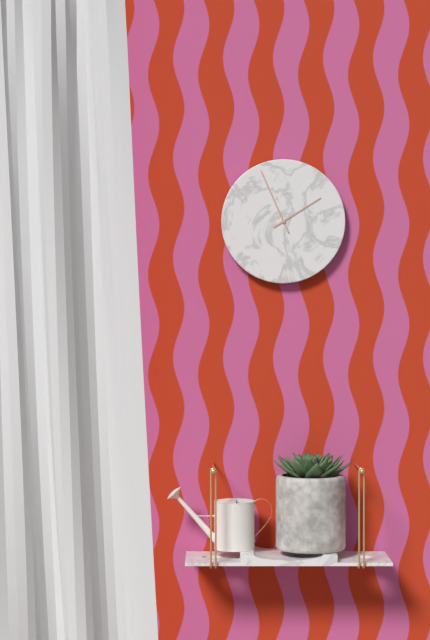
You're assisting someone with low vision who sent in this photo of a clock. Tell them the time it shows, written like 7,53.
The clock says 1,56
